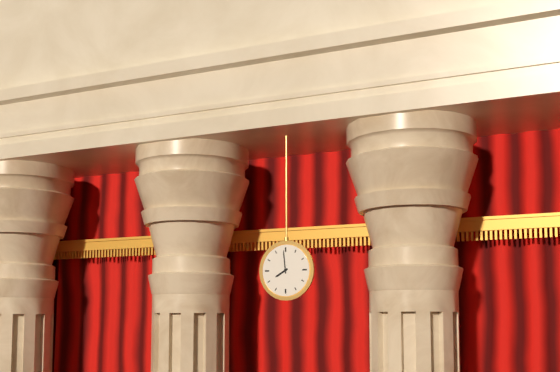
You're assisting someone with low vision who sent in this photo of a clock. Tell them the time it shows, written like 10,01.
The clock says 7,59
